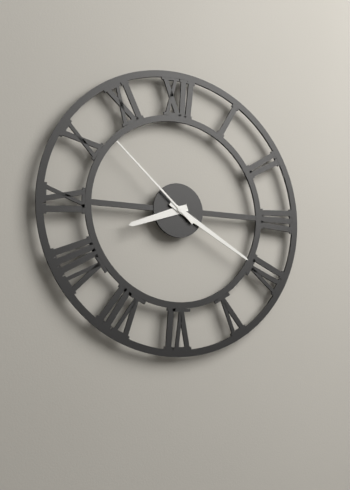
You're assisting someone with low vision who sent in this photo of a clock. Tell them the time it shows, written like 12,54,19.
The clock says 8,20,52
